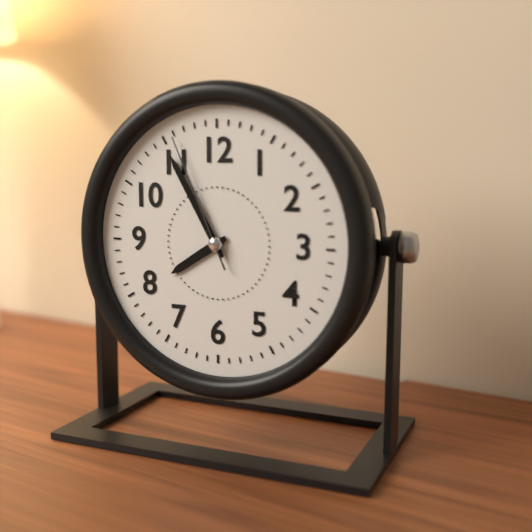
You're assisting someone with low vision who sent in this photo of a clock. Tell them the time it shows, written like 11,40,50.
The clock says 7,55,56
